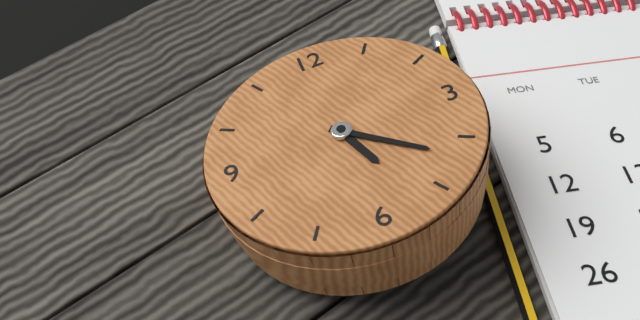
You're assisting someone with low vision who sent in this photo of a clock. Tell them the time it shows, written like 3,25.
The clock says 5,22
